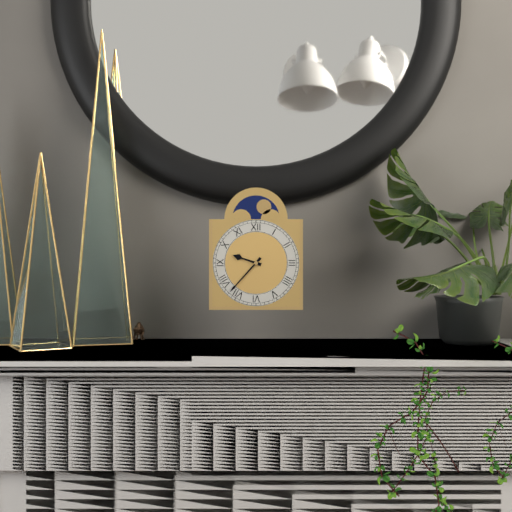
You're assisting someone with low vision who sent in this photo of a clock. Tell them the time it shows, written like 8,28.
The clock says 9,37
